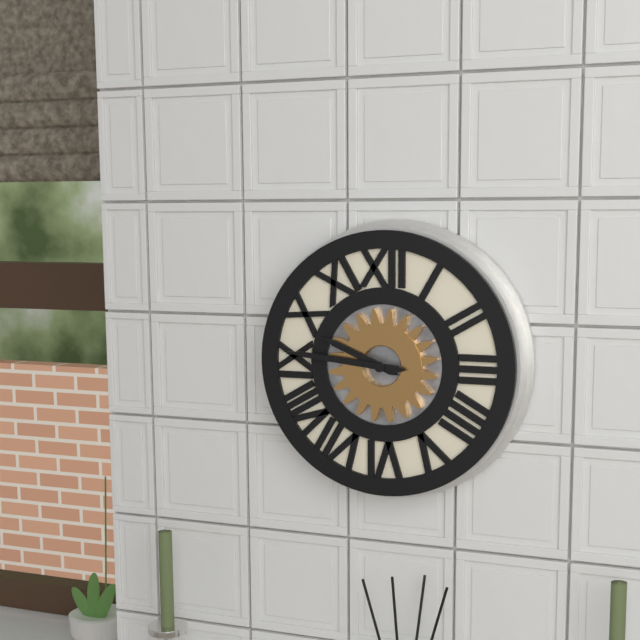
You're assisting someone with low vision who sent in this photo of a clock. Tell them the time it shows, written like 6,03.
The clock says 9,46
